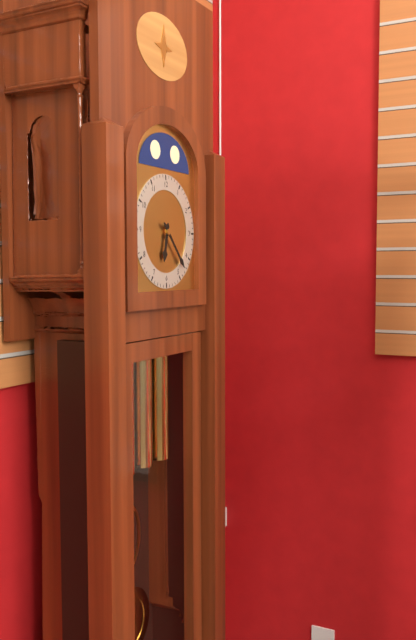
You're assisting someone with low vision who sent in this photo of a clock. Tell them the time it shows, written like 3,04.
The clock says 6,23
